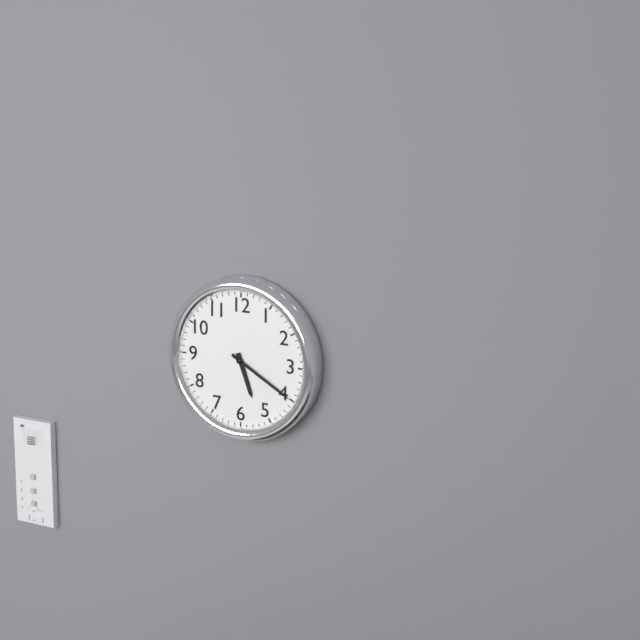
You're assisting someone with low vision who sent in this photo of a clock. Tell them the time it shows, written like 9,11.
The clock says 5,20
